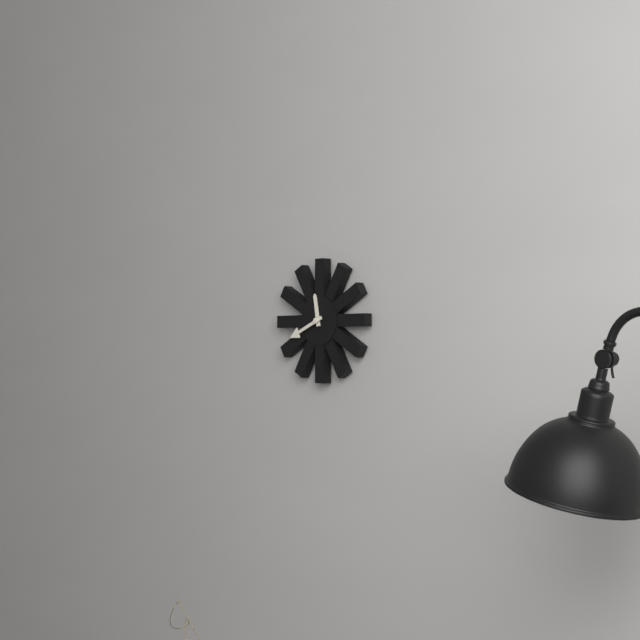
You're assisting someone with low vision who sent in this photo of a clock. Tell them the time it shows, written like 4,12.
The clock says 11,41
